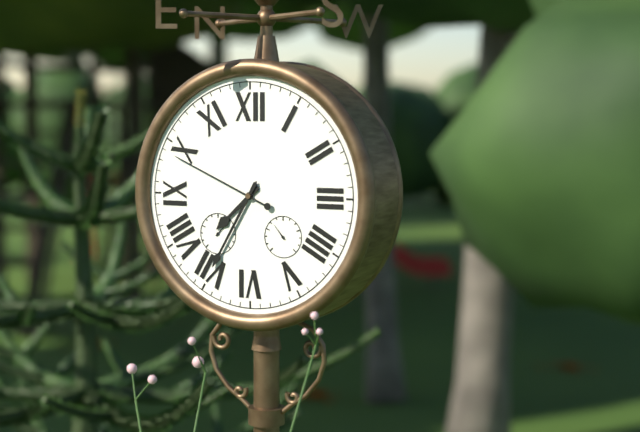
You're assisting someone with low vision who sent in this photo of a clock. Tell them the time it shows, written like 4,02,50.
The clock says 7,35,49
